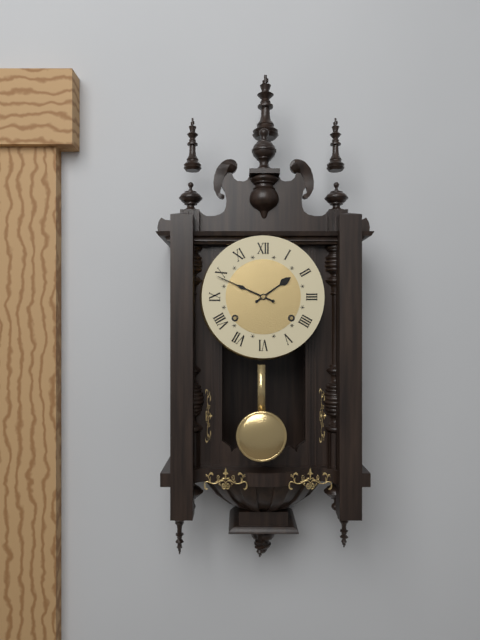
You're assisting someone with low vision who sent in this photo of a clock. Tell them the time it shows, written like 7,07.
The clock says 1,49
